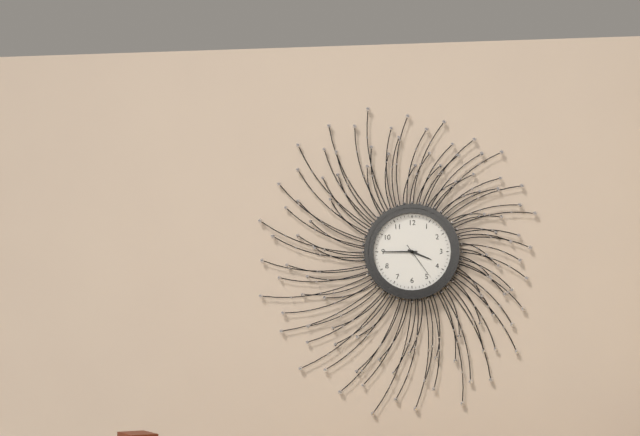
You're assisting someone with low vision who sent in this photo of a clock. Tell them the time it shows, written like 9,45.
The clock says 3,45
